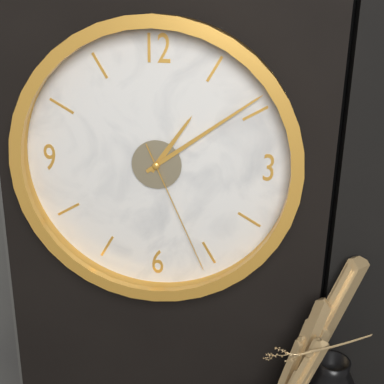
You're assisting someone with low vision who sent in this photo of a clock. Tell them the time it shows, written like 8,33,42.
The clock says 1,09,26
